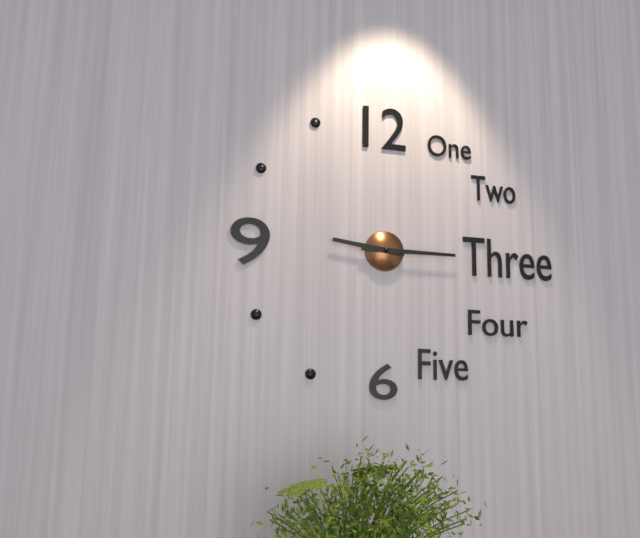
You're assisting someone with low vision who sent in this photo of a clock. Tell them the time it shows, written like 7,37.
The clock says 9,15
